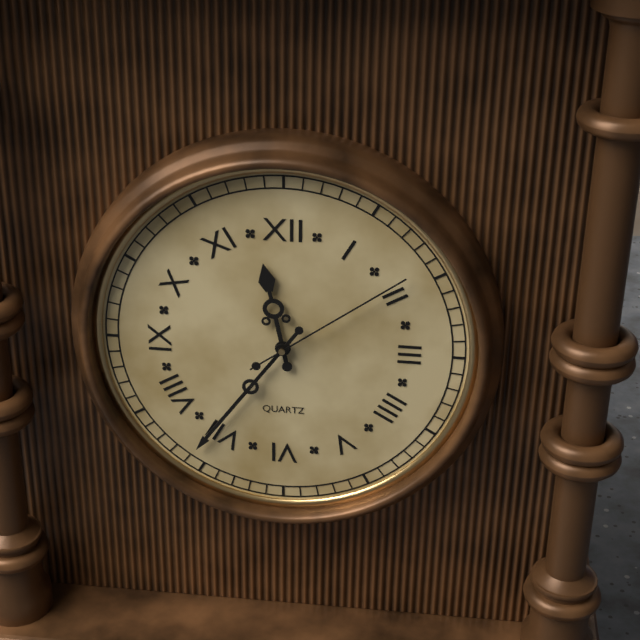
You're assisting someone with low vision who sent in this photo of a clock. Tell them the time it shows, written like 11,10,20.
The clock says 11,36,09
